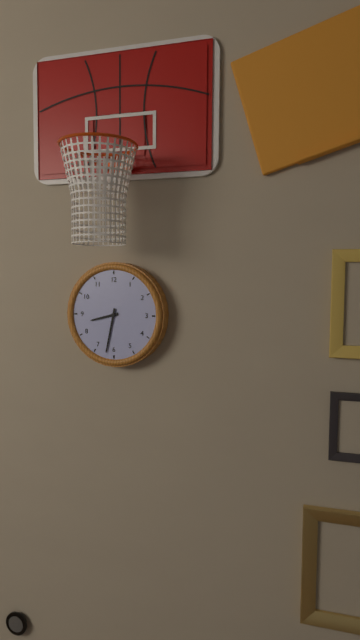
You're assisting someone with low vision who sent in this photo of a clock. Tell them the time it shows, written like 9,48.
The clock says 8,32
